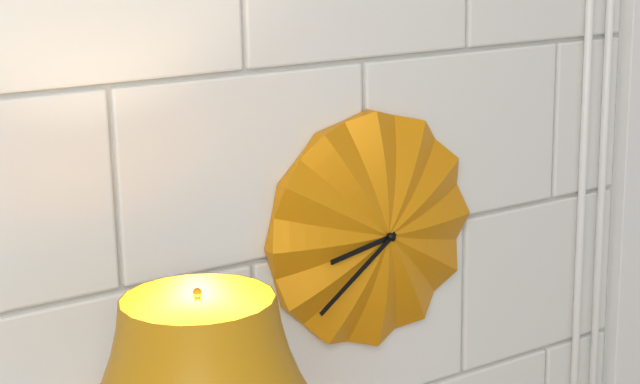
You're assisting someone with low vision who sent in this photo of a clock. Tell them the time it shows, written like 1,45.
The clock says 8,39
